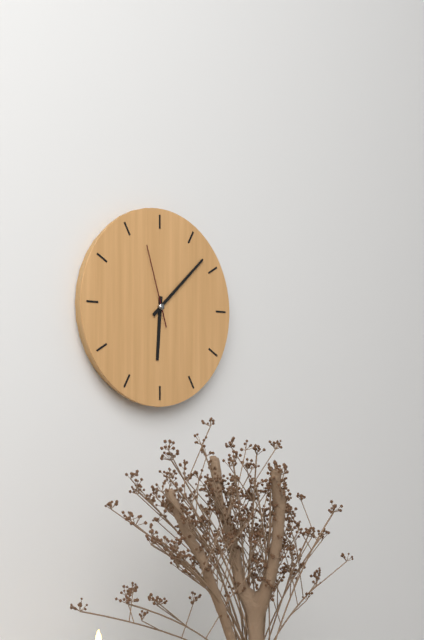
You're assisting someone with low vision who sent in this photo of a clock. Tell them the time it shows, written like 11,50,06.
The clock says 6,08,57
